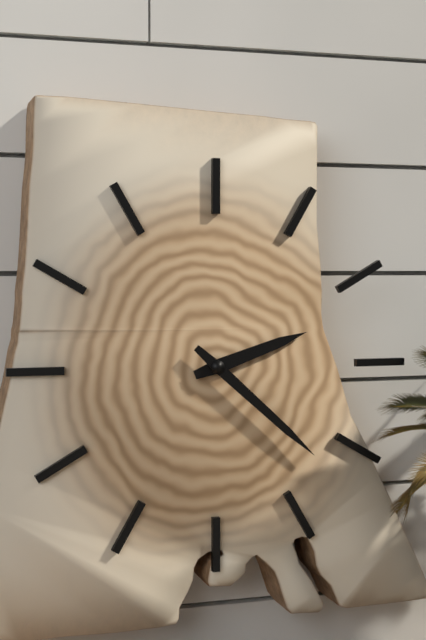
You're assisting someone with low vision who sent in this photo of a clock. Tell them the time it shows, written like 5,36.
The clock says 2,22
